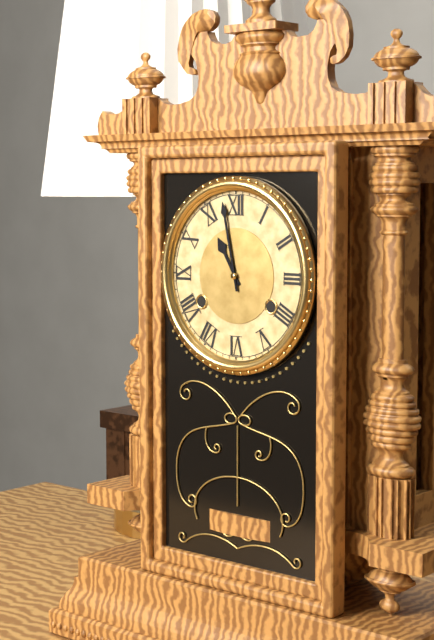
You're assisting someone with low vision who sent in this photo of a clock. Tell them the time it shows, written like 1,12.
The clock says 10,58
